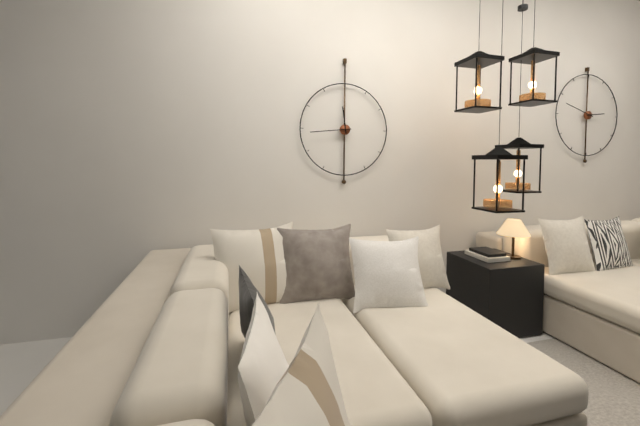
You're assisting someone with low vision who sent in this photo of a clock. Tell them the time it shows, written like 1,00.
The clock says 11,44
